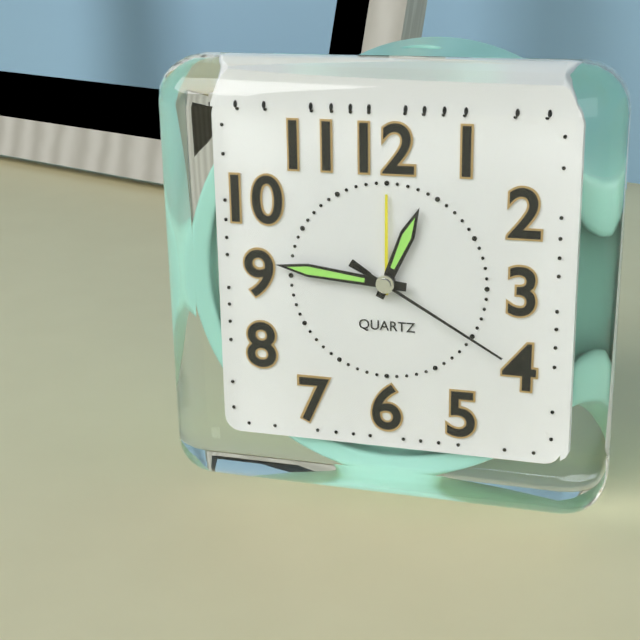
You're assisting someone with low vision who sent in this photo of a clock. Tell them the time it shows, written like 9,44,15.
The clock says 12,46,20
